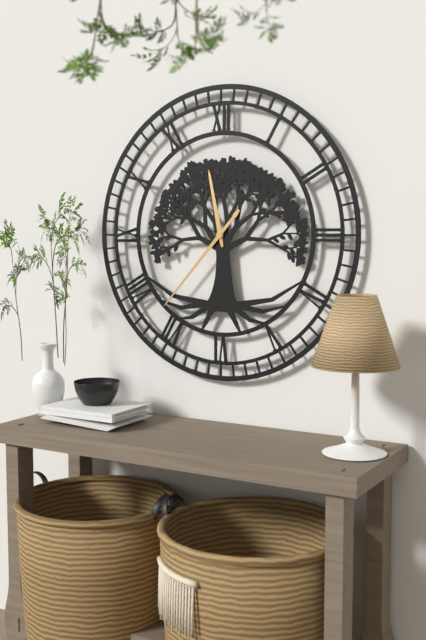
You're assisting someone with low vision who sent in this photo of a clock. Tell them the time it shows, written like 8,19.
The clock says 11,37
